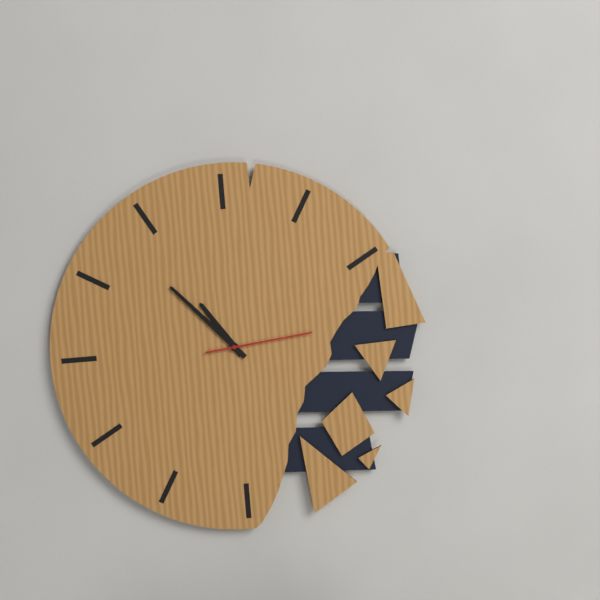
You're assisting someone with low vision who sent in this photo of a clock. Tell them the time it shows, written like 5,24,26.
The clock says 10,53,14
